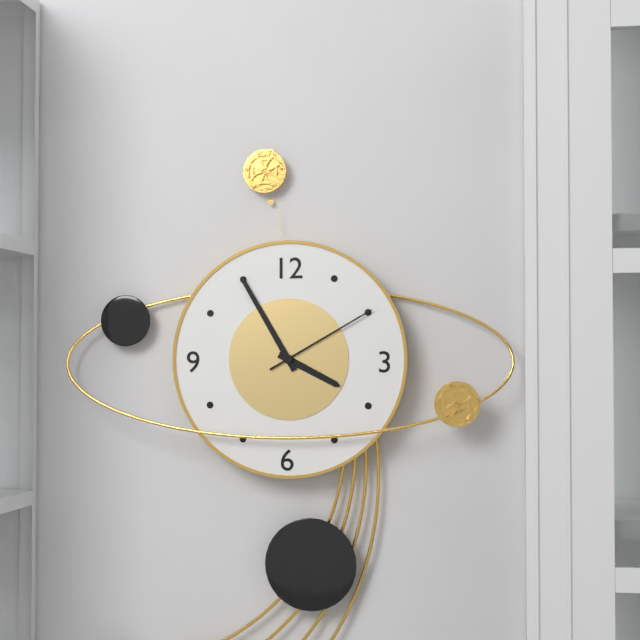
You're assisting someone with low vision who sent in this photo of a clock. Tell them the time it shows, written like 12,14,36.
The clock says 3,55,10
